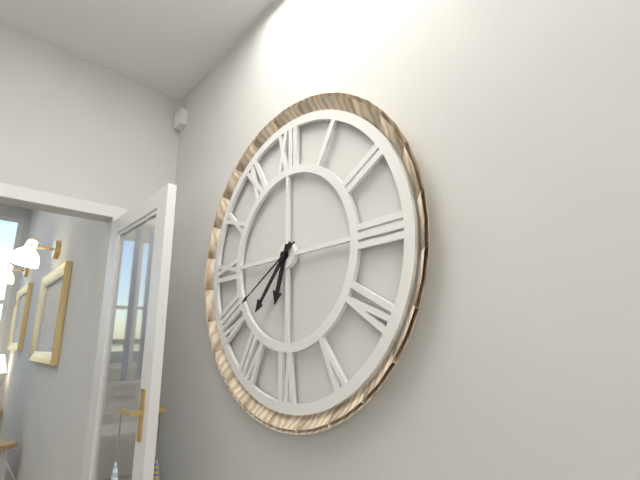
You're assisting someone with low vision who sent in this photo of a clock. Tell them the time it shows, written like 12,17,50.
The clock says 6,37,40
